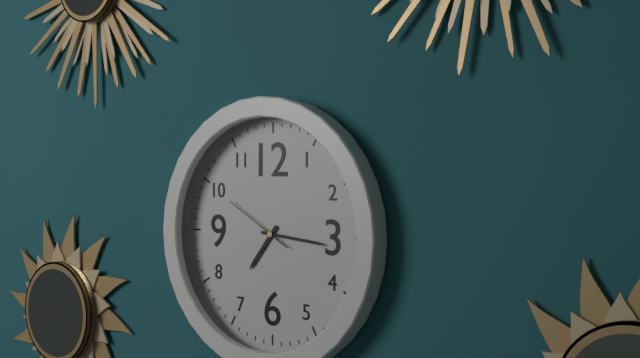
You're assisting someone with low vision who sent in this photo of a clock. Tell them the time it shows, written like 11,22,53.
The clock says 7,16,50
